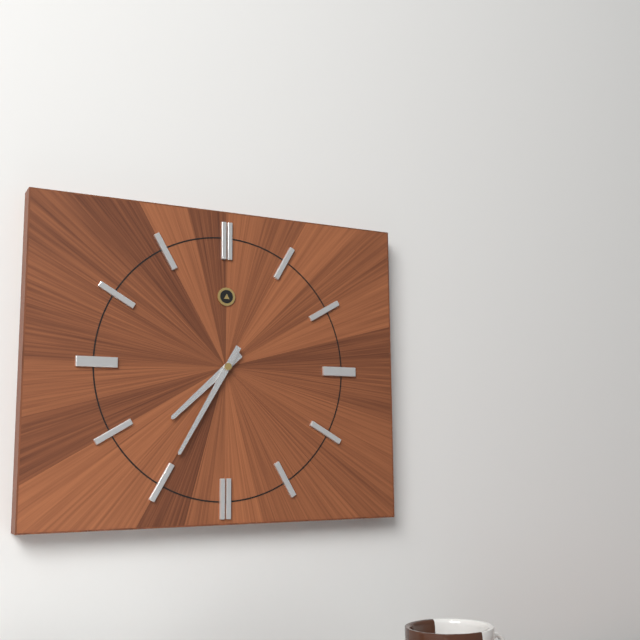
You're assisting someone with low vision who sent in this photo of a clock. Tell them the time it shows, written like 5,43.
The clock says 7,35
